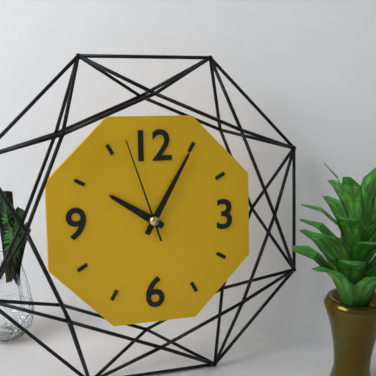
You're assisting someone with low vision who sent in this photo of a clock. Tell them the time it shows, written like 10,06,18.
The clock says 10,05,57
